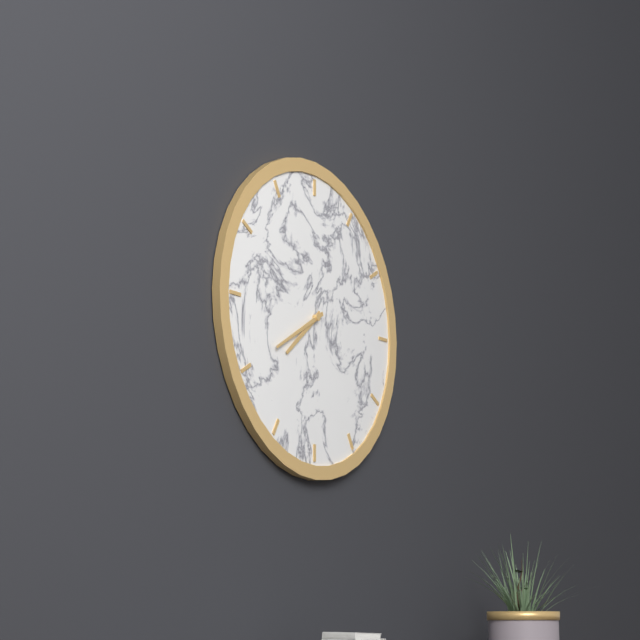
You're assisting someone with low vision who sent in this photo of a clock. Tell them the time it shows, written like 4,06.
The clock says 7,40
